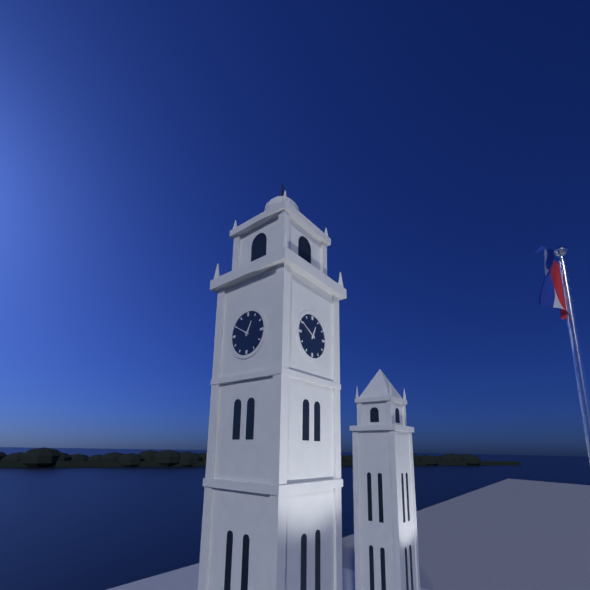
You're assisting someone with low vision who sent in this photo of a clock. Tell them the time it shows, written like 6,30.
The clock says 12,50
